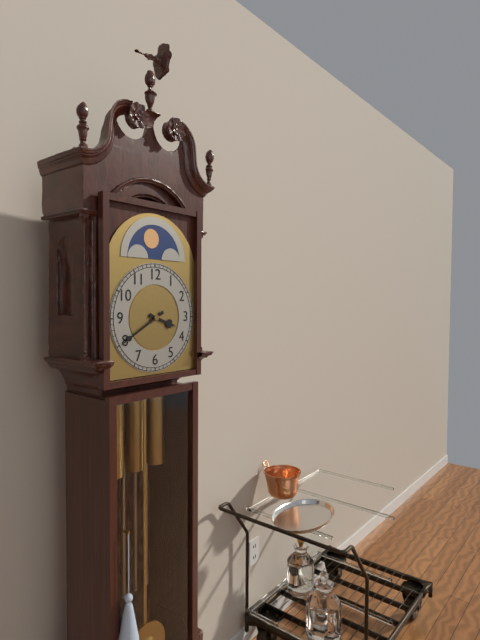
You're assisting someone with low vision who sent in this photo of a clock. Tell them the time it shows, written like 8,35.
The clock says 3,40
